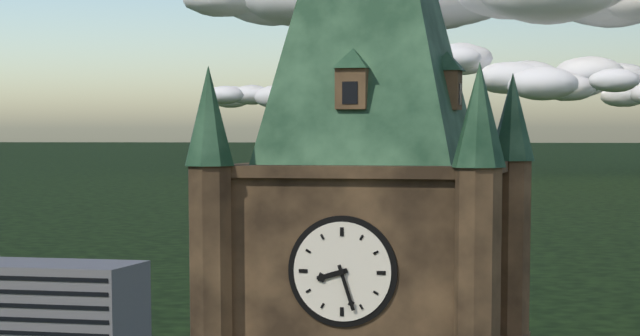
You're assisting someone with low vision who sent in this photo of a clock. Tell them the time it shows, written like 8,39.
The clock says 8,27
